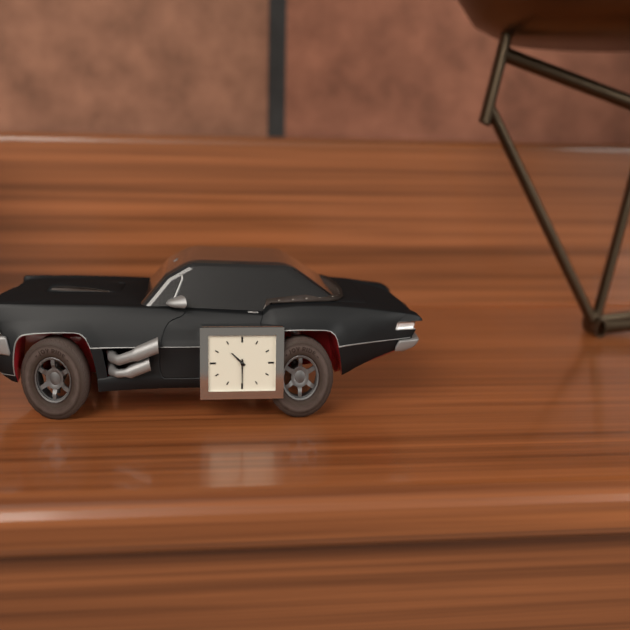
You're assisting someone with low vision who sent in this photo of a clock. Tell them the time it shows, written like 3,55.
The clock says 10,30
